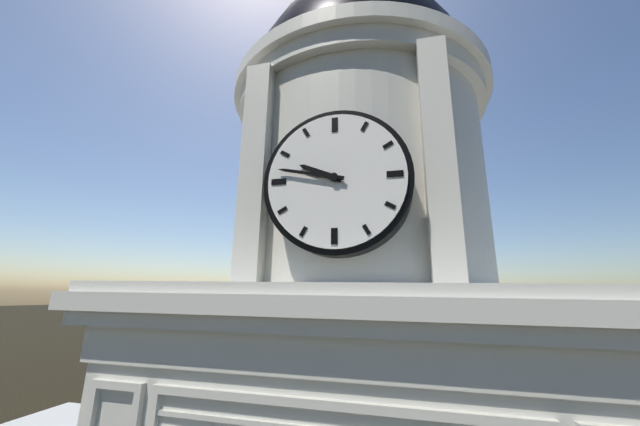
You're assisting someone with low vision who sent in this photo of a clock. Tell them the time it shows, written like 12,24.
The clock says 9,47
